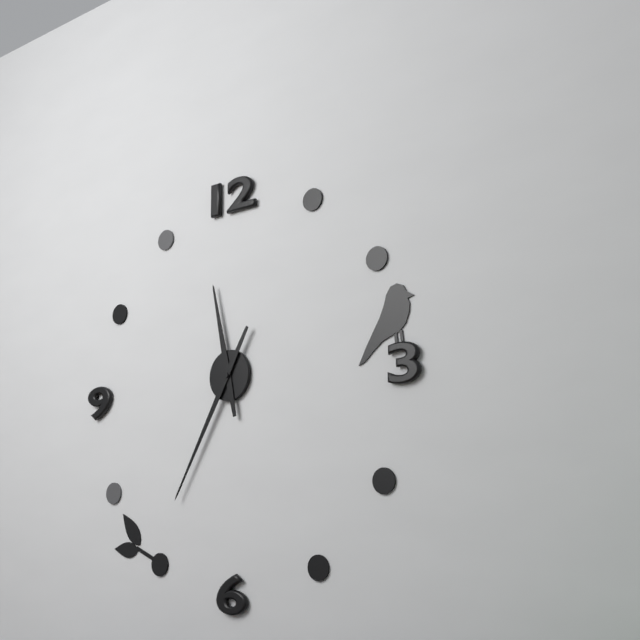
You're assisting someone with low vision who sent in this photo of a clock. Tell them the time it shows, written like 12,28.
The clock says 11,35
